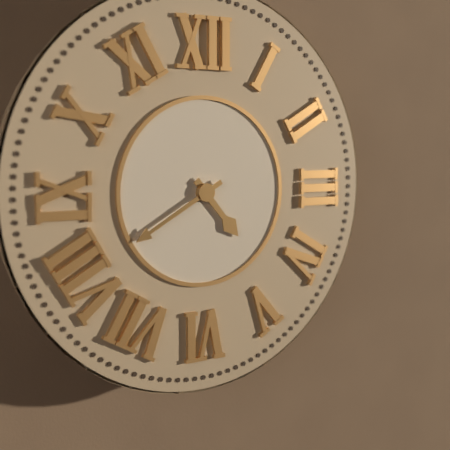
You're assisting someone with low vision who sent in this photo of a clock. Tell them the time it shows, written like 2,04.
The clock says 4,40
